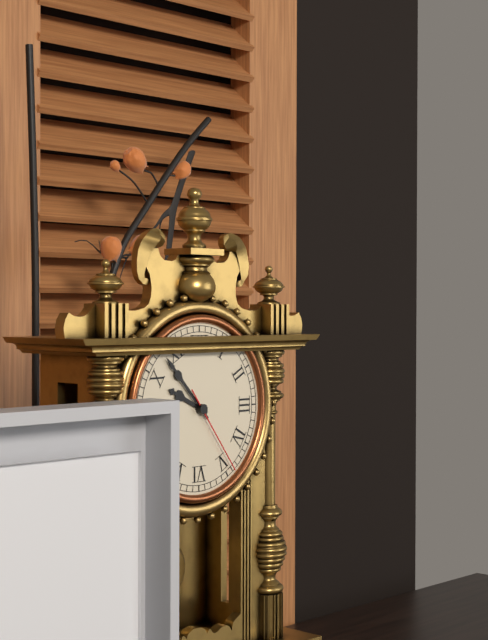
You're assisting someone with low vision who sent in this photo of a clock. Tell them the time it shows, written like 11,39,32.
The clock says 9,53,24
